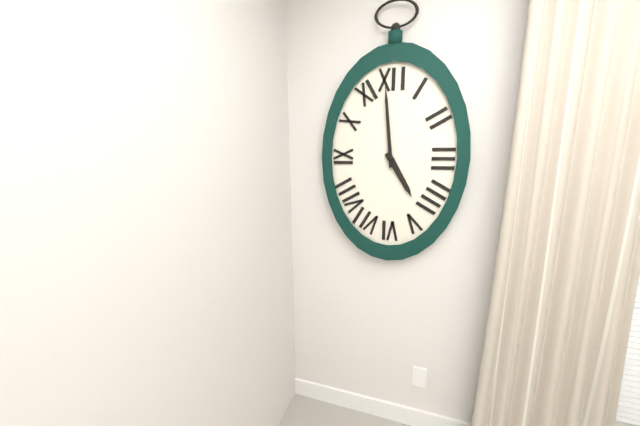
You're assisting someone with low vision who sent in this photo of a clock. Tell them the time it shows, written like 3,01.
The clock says 4,59
